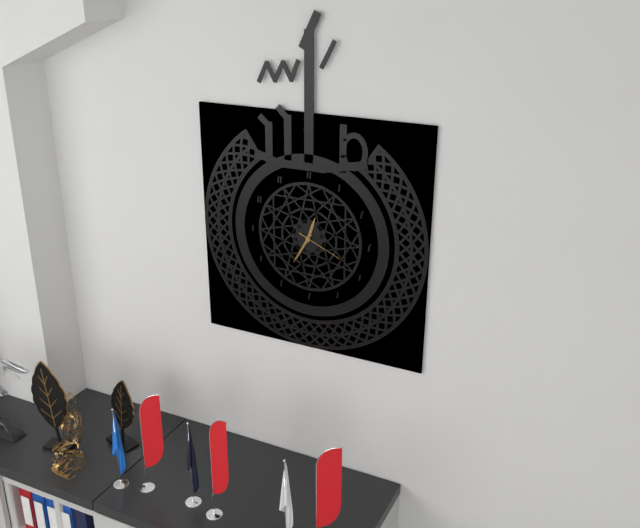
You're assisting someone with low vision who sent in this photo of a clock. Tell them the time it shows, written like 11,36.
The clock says 12,35
